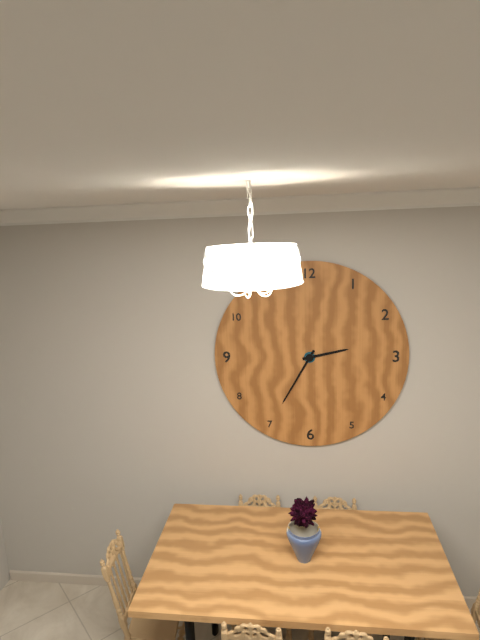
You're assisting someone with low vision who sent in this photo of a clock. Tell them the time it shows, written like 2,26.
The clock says 2,35
